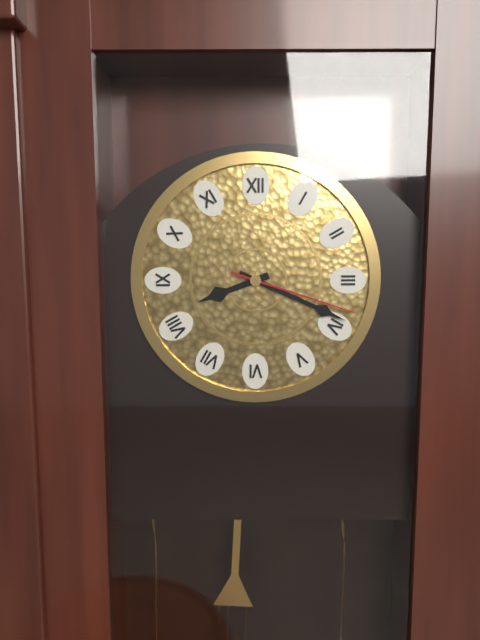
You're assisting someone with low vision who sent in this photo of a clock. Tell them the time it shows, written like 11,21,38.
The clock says 8,19,18
